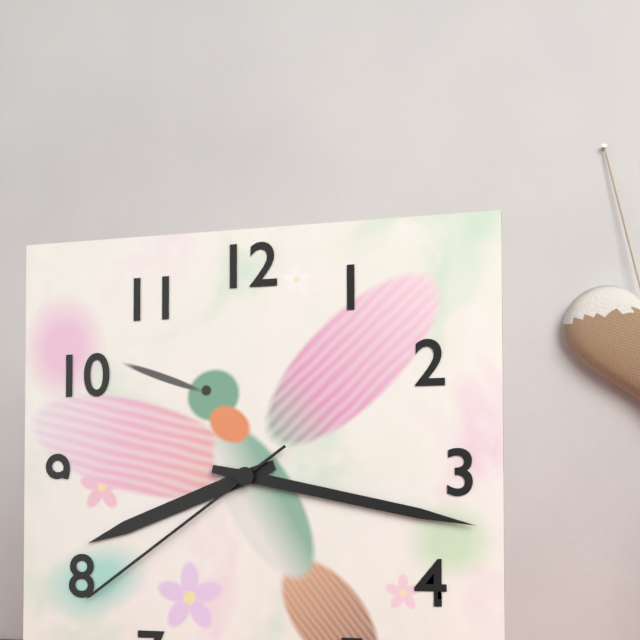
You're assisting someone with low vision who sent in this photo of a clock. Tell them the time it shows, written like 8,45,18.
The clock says 8,17,39
